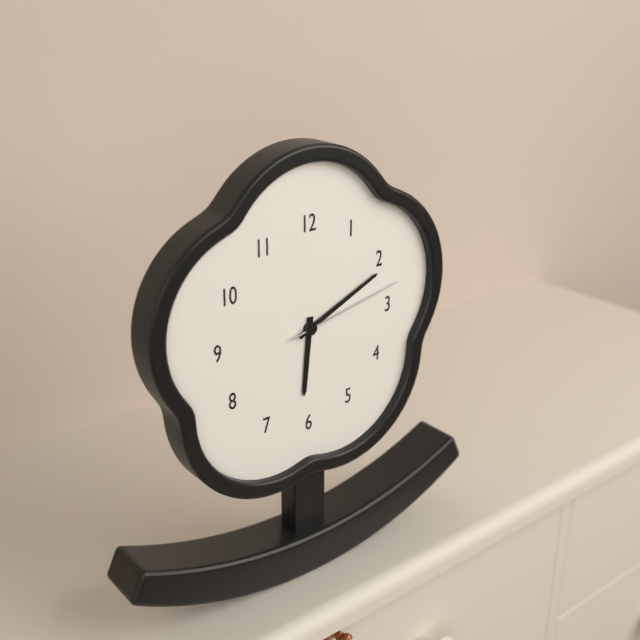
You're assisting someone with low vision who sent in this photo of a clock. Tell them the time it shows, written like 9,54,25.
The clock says 6,11,13
